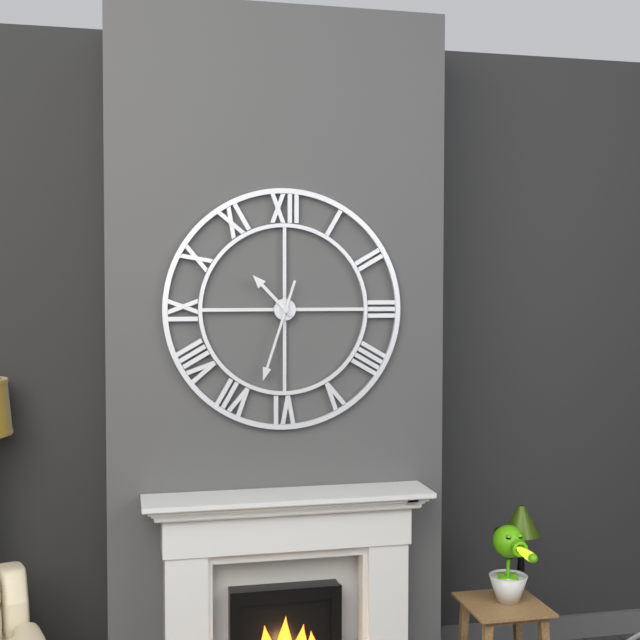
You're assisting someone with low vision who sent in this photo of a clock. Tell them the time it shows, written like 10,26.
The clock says 10,33
